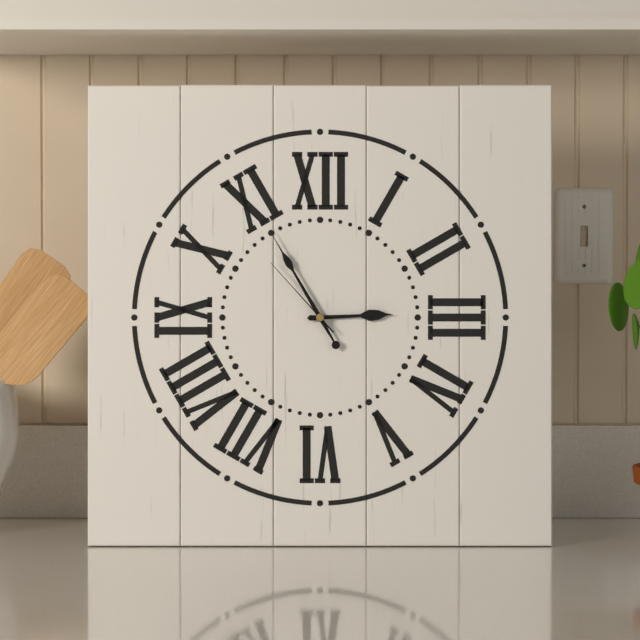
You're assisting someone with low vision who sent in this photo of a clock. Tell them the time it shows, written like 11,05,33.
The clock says 2,55,53
